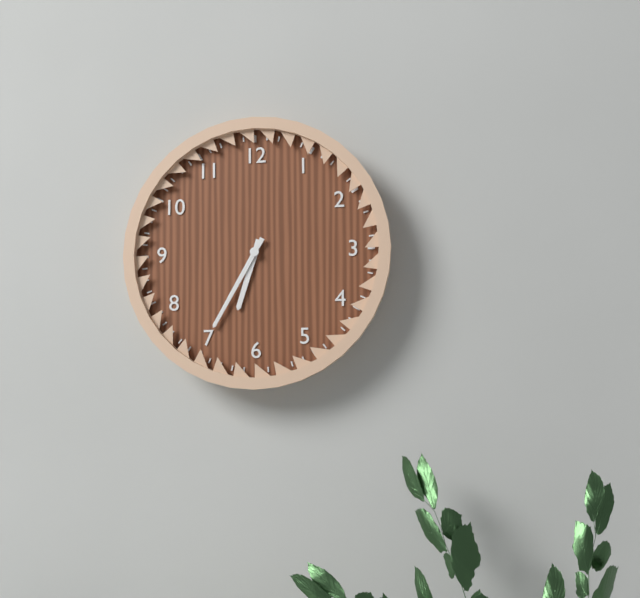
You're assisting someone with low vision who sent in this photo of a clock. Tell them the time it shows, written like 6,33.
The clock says 6,35
